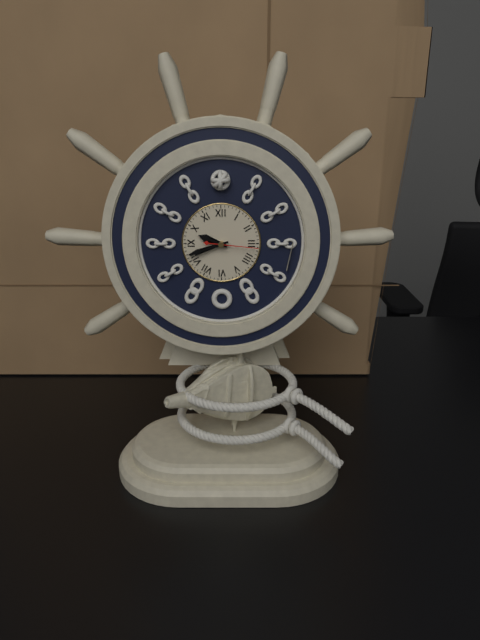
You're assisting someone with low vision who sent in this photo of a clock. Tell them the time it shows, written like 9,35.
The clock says 9,42
